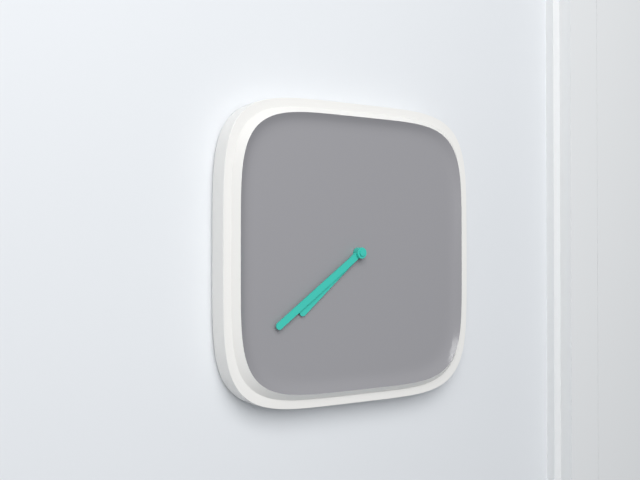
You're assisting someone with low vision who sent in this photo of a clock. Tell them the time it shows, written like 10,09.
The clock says 7,39
